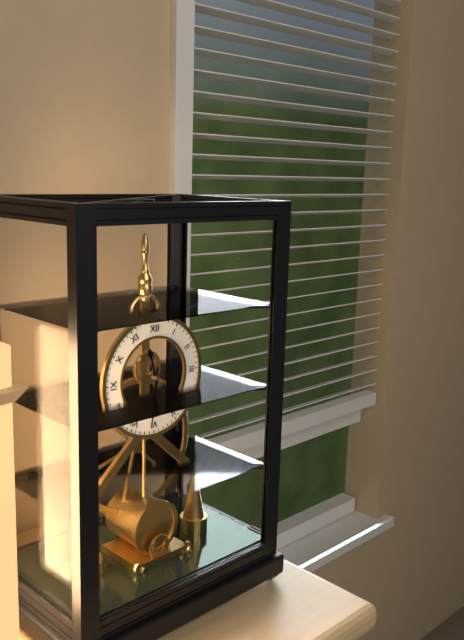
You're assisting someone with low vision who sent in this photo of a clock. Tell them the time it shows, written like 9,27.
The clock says 11,31
